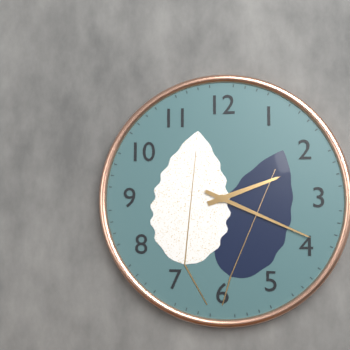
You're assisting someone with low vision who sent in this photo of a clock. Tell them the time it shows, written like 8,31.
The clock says 2,19
